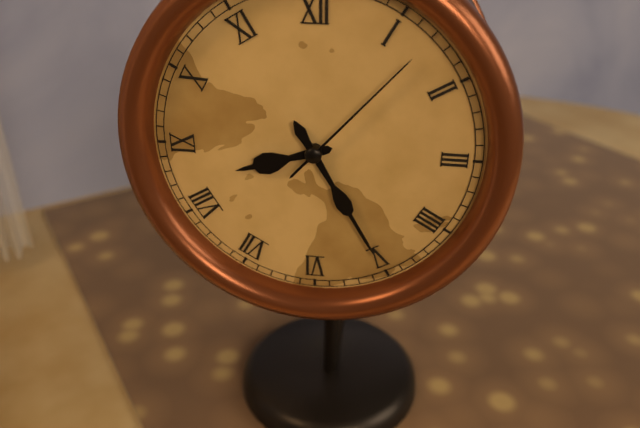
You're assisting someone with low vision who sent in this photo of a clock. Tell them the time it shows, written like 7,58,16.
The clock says 8,25,07
